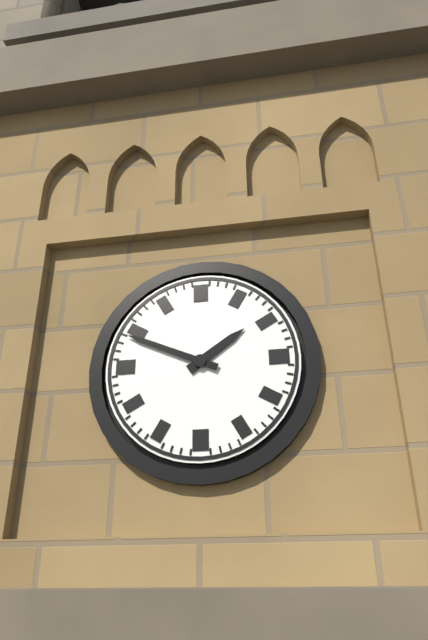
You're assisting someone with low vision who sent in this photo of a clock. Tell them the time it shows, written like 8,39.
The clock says 1,49
